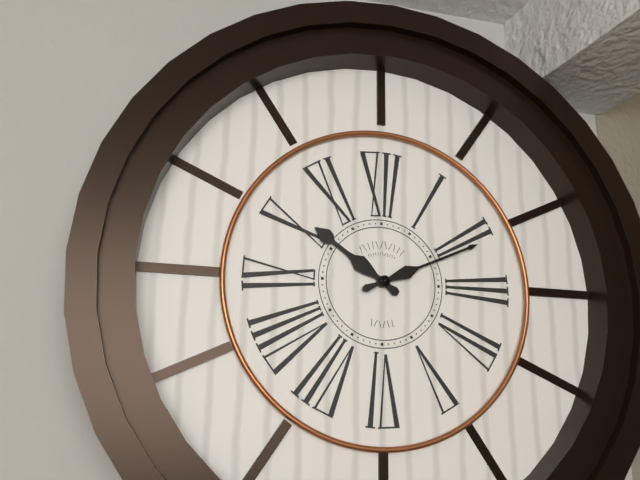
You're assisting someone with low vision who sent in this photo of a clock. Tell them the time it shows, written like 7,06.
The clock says 10,11
